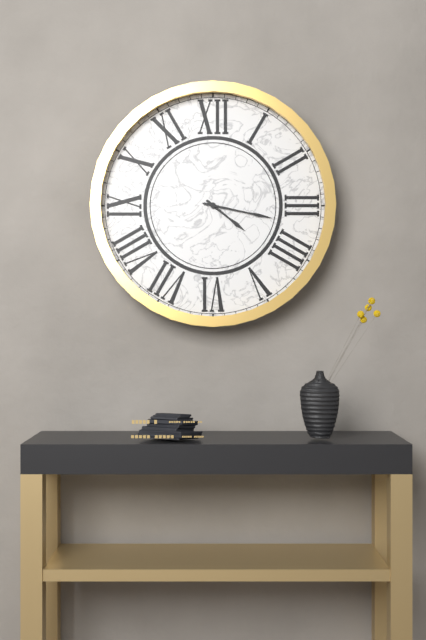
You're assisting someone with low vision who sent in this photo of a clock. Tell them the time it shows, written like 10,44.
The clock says 4,17
